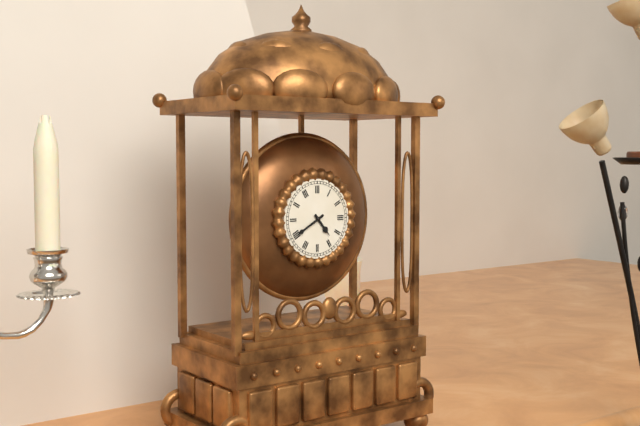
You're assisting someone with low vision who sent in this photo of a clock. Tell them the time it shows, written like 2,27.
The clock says 4,40
